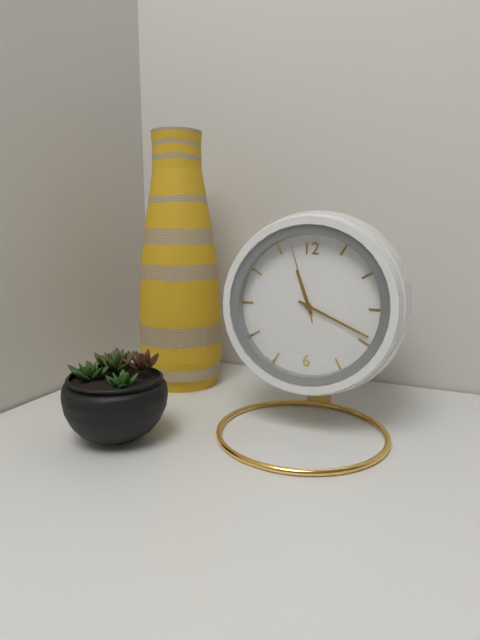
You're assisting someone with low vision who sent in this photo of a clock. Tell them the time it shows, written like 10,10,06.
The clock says 11,19,57
